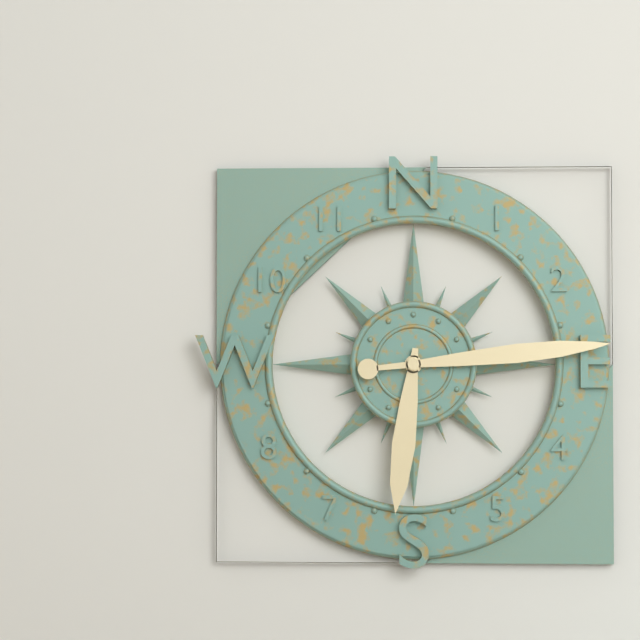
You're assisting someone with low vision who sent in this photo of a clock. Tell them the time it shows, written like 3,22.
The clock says 6,14
